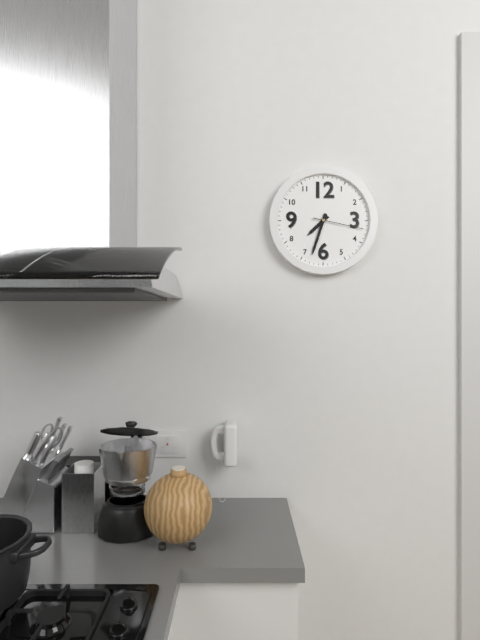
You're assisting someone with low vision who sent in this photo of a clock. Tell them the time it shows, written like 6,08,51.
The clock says 7,33,17
